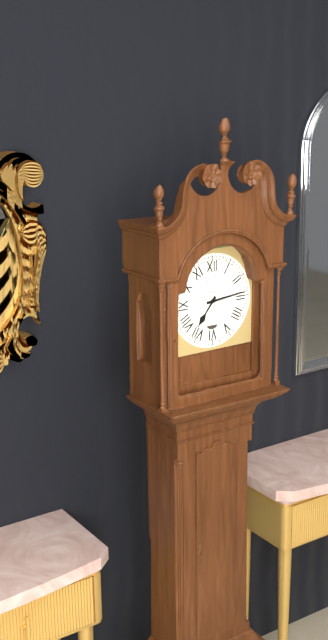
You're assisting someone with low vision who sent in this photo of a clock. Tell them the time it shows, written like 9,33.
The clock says 7,14
